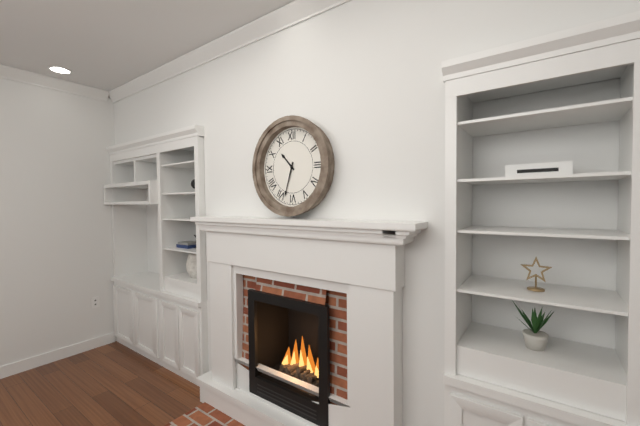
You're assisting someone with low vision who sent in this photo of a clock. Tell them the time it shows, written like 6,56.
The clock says 10,33
